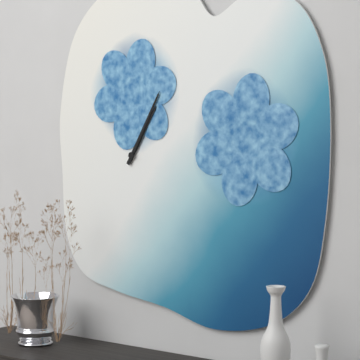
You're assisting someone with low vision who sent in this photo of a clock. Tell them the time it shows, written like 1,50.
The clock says 1,05
